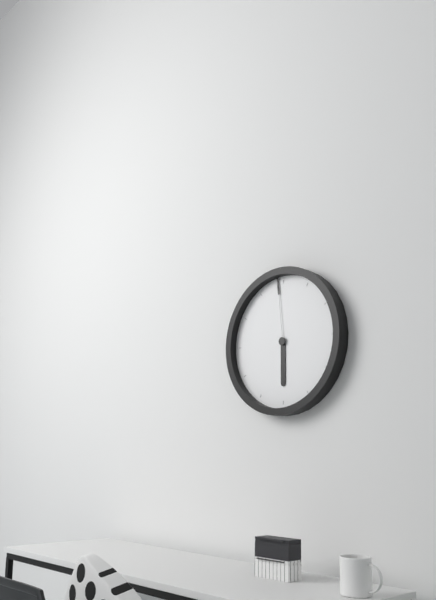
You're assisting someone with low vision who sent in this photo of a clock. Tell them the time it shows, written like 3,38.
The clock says 5,59
